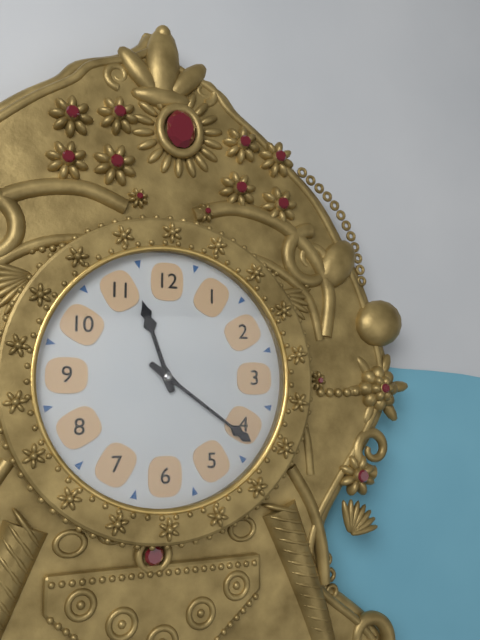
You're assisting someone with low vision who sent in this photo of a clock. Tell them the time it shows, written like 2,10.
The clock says 11,21
